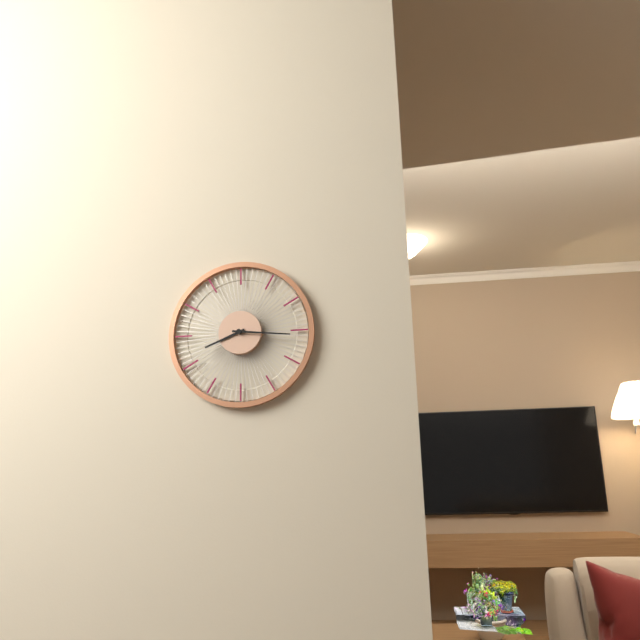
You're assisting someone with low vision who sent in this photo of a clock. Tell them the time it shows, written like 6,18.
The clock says 8,16
